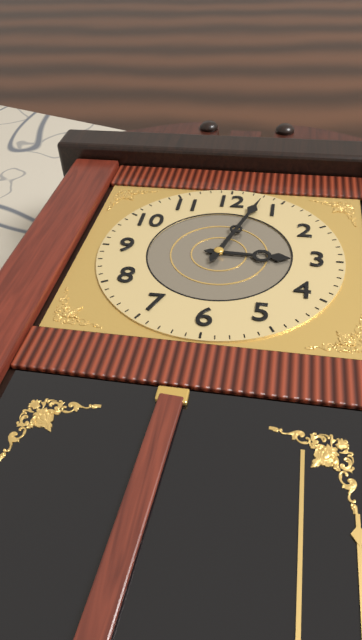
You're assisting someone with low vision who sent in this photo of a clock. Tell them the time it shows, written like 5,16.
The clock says 3,03
